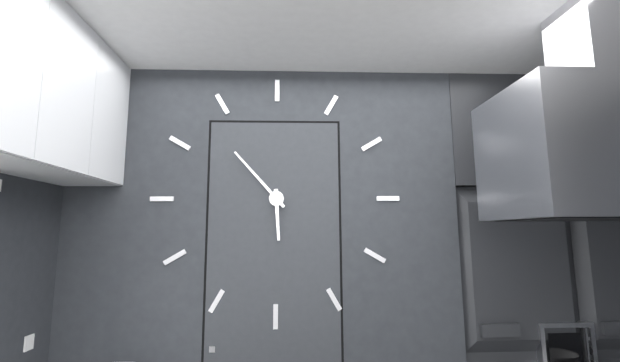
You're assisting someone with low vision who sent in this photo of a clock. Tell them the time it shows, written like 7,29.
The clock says 5,53
